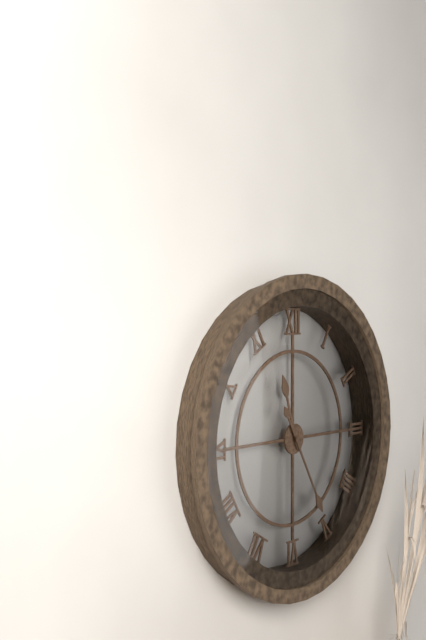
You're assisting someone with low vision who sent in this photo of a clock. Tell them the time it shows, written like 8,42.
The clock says 11,25
